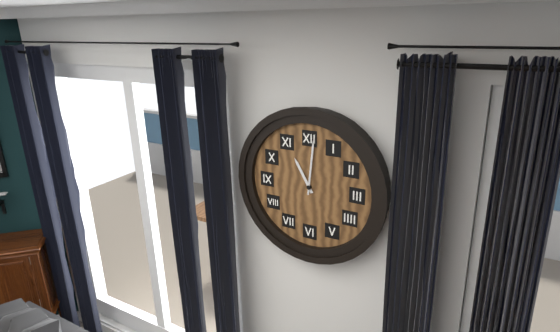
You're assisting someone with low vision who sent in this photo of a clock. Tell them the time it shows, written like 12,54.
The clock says 11,01
